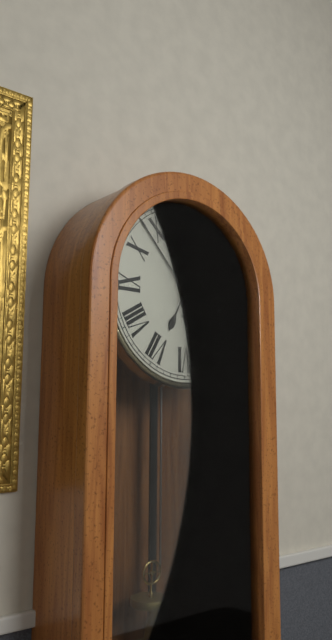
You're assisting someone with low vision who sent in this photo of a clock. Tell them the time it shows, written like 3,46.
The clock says 6,53
